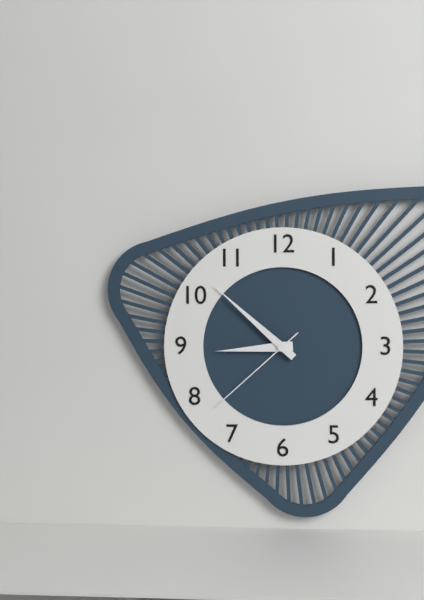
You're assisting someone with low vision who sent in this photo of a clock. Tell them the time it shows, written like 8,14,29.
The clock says 8,52,38
